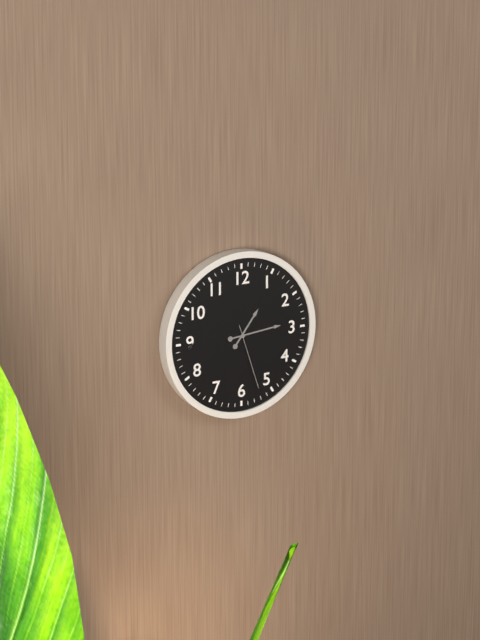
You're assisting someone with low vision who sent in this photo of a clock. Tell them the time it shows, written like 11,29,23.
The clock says 1,14,27
